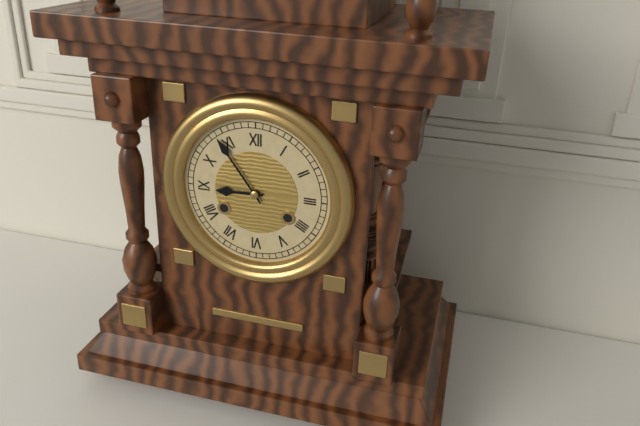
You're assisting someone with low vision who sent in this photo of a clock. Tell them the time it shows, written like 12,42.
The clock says 8,54
